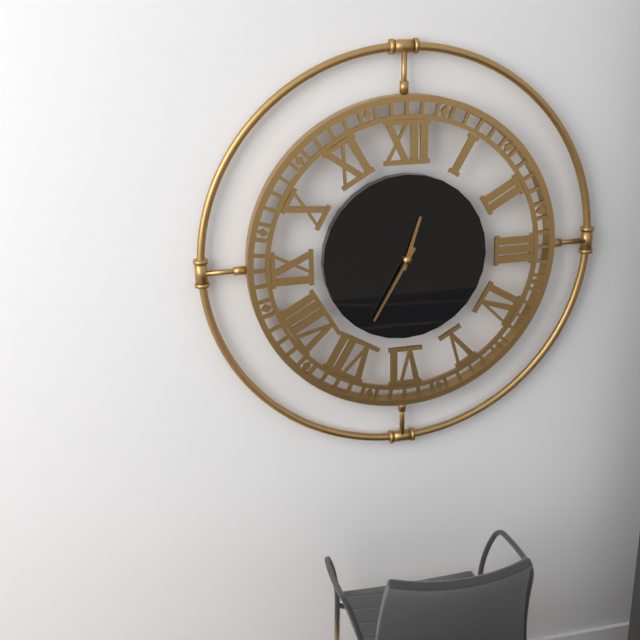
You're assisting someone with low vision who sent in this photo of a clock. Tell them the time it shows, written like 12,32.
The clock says 12,35
